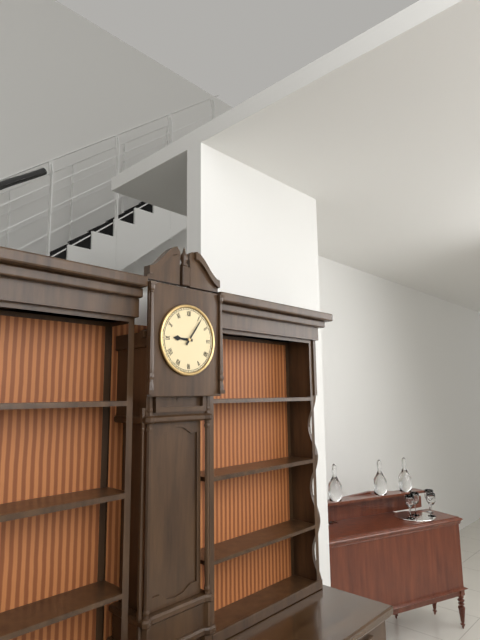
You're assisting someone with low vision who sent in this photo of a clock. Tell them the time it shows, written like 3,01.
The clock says 9,06
